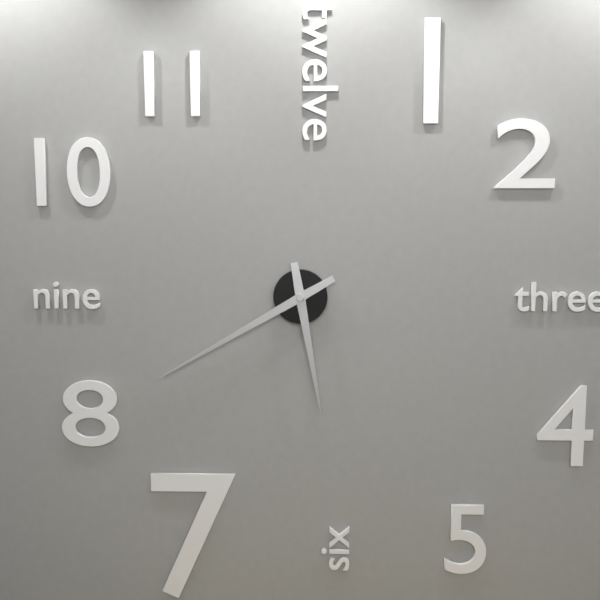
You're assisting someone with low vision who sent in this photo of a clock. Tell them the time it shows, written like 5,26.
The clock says 5,40
